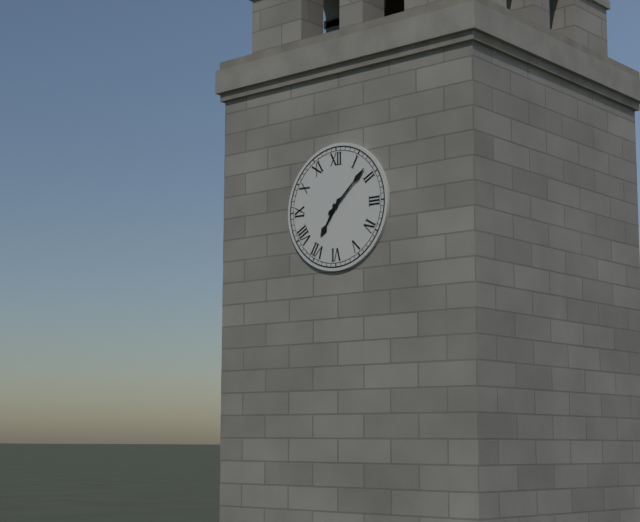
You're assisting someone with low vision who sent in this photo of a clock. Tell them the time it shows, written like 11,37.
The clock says 7,08
